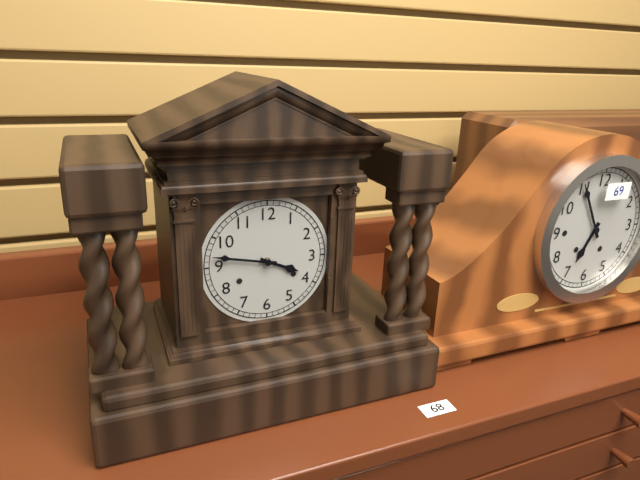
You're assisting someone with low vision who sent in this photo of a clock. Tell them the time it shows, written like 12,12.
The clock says 3,47
